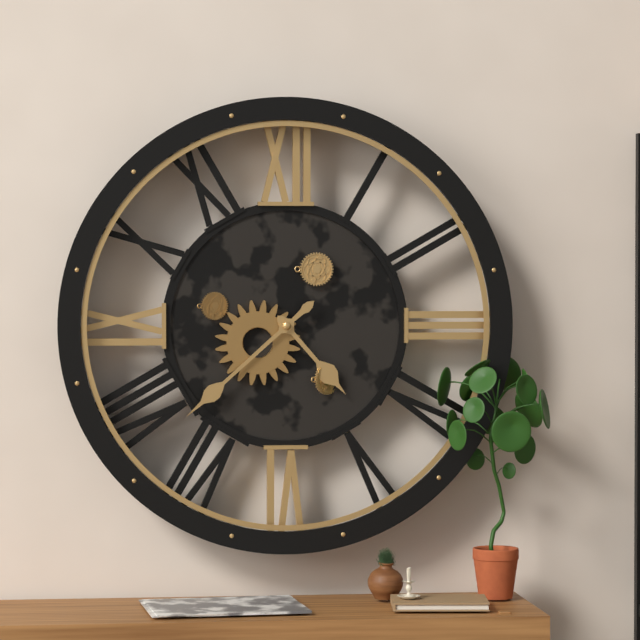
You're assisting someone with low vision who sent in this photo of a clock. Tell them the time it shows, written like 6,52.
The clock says 4,38
